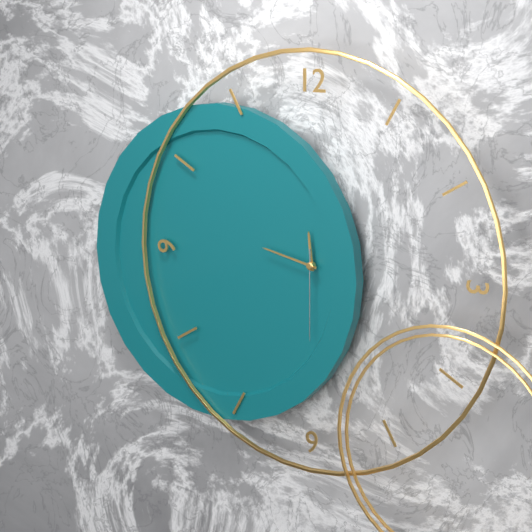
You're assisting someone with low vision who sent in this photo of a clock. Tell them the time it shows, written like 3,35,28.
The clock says 11,47,30
